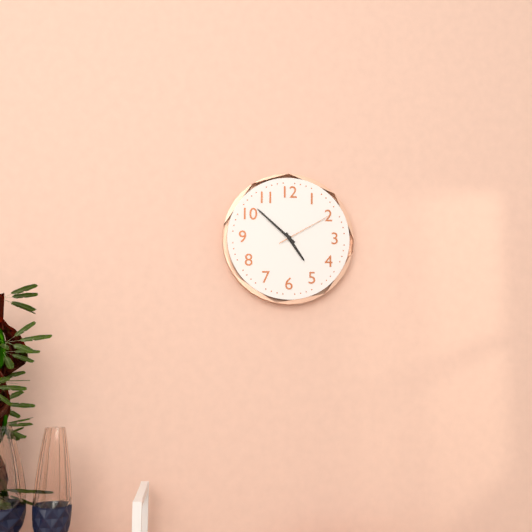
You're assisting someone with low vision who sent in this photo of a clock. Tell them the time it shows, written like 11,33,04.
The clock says 4,52,10
